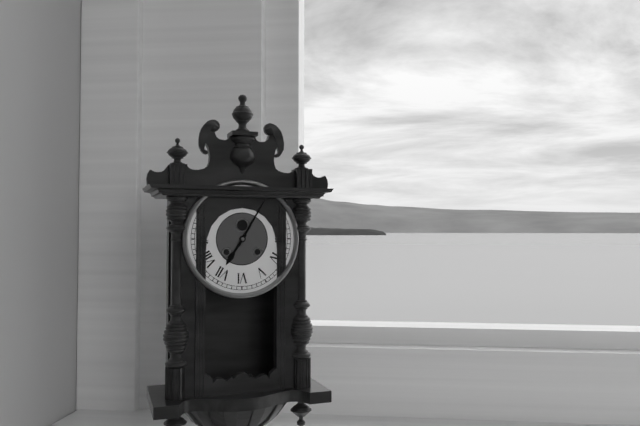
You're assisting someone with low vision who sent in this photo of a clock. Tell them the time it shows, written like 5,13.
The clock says 7,05
